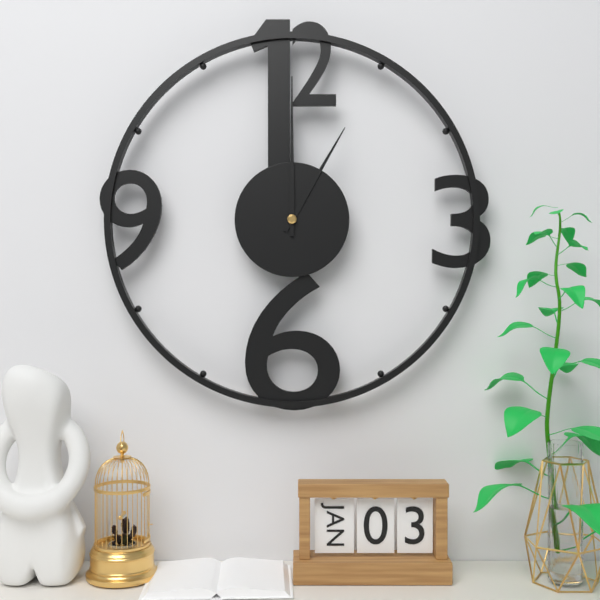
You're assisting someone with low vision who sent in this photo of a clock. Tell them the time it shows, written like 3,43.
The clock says 1,00
